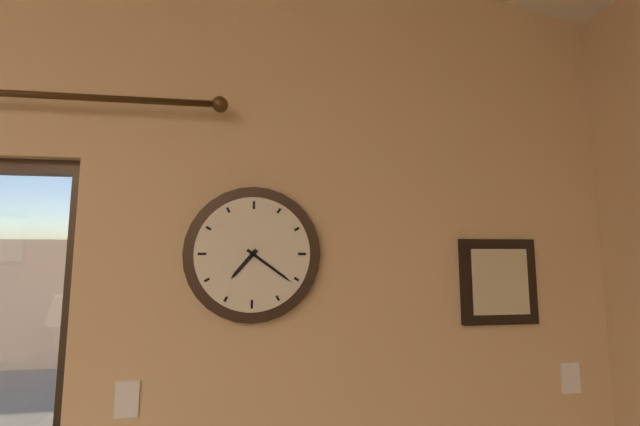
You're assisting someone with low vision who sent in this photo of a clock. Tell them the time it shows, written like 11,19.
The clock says 7,21
